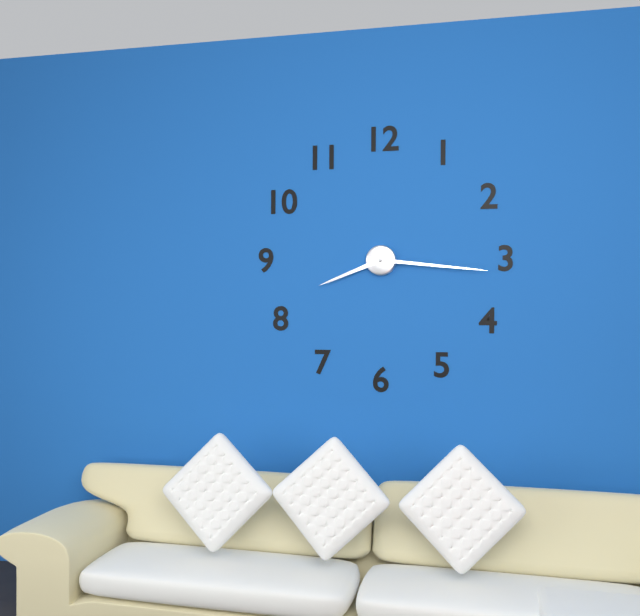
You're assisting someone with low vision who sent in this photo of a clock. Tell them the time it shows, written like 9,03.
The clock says 8,16
